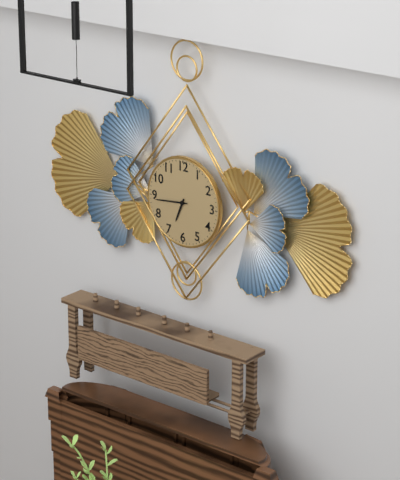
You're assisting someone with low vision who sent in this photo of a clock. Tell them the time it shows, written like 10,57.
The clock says 6,44
